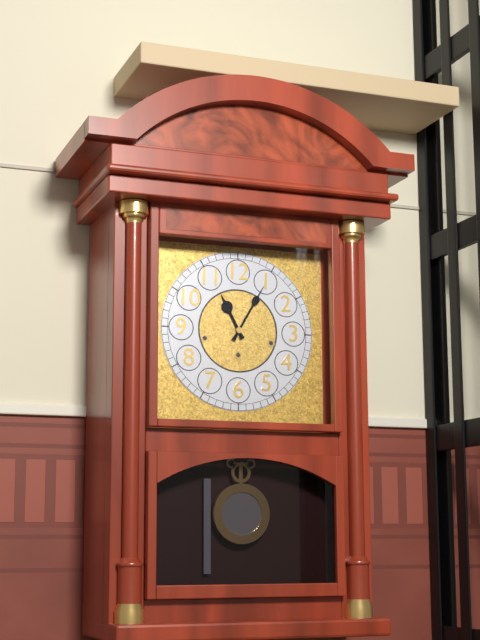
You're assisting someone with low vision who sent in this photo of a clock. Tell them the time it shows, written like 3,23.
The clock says 11,05
